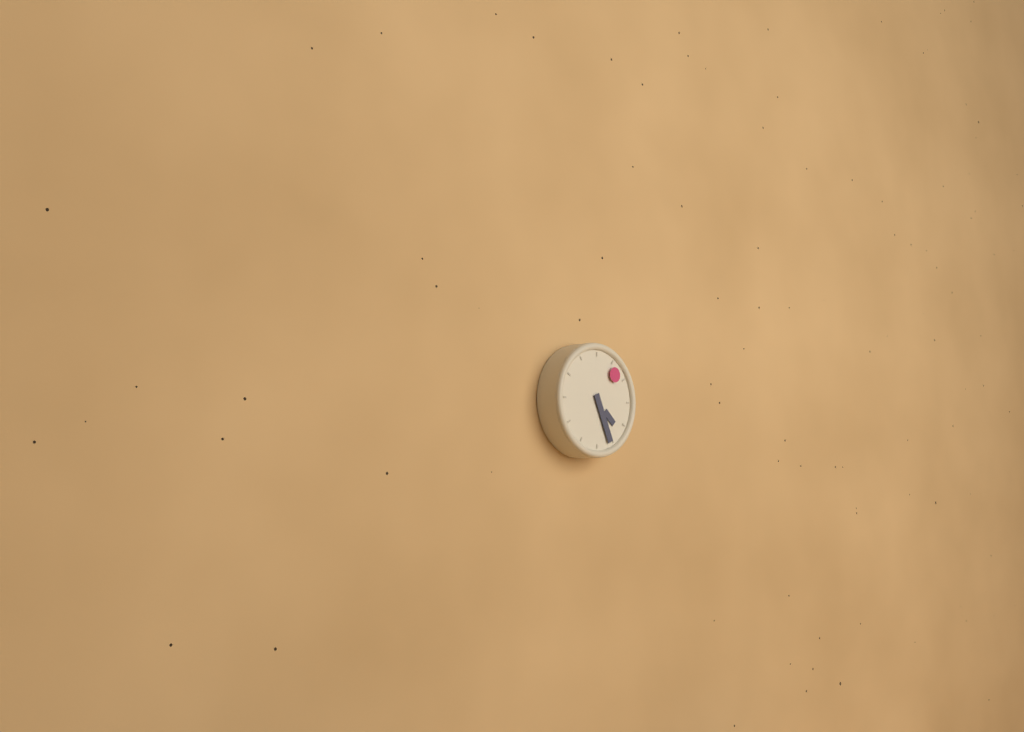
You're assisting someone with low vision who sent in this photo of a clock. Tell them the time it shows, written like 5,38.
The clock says 4,26
